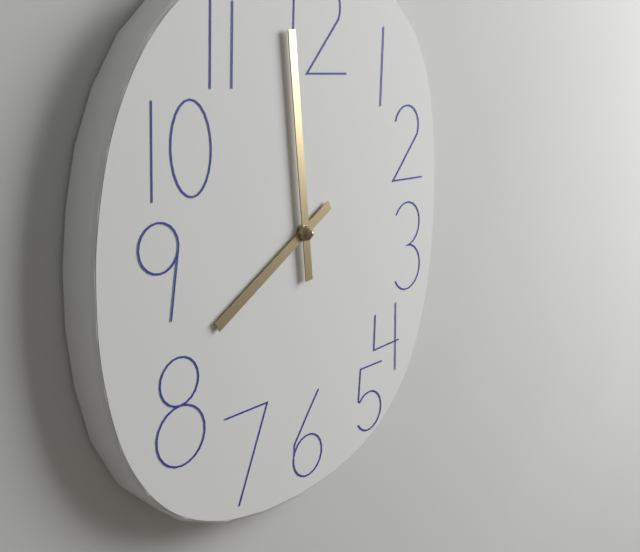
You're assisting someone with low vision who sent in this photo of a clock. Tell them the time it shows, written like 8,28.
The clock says 7,59
